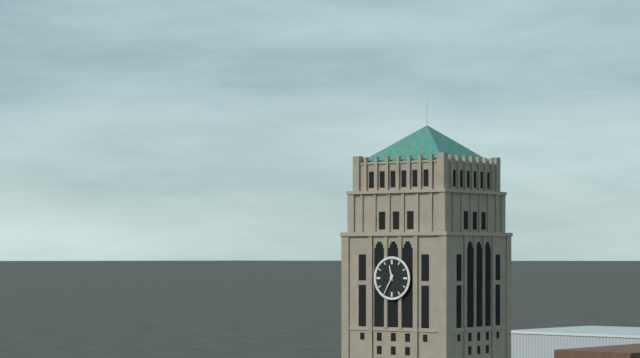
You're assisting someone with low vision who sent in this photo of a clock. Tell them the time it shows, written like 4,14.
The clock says 11,35
